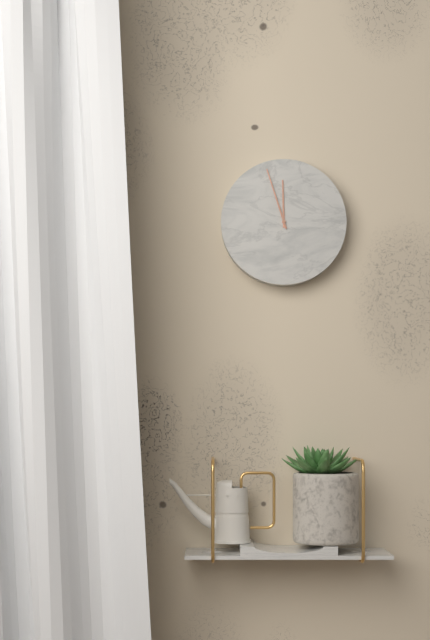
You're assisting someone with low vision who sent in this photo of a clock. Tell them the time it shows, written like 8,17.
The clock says 11,57
